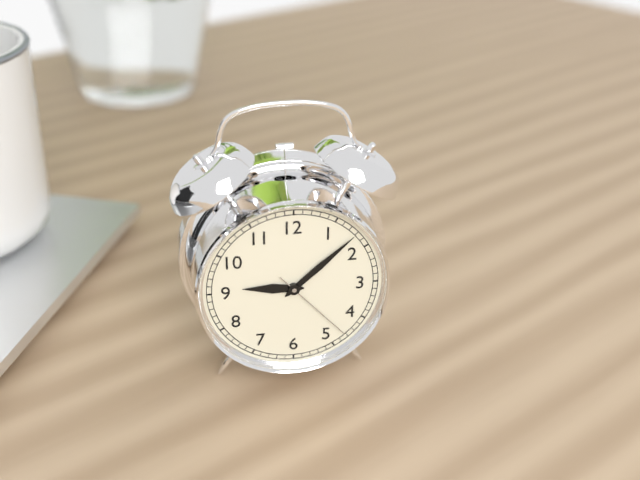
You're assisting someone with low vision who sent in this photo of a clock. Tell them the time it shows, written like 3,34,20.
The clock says 9,08,23
